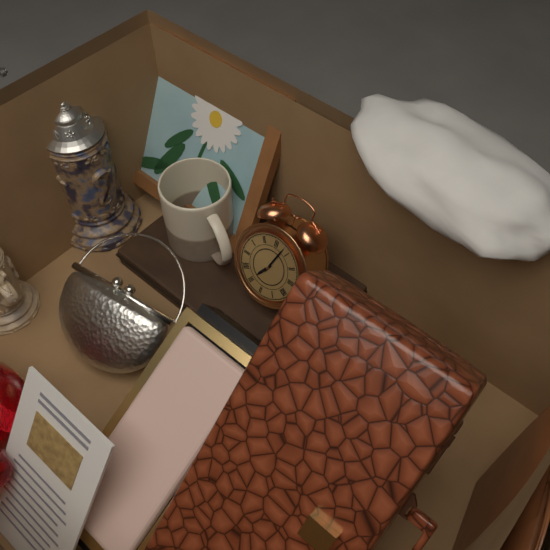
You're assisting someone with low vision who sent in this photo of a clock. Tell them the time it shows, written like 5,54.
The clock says 7,03
